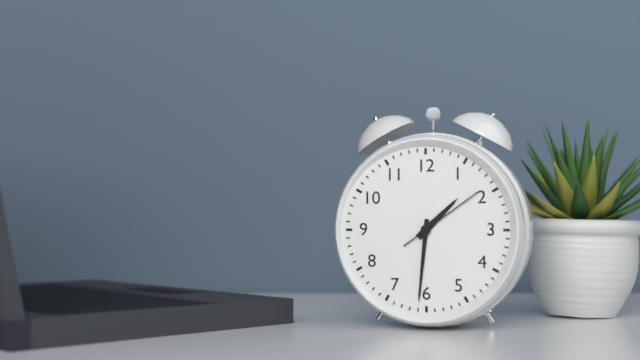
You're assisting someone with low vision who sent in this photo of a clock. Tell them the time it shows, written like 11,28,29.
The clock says 1,31,09
